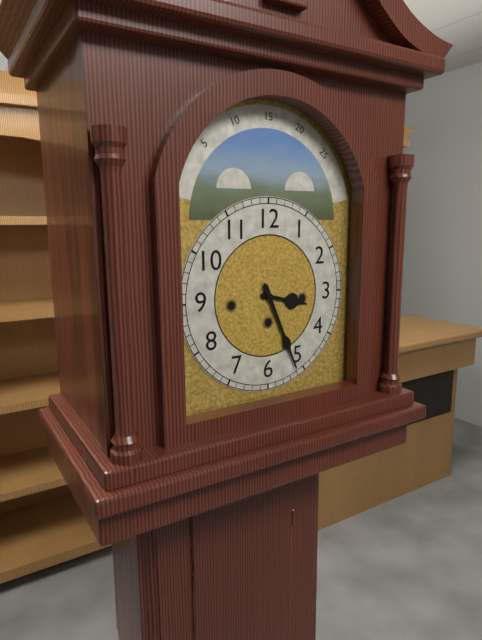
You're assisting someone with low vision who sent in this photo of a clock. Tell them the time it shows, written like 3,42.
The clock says 3,26
